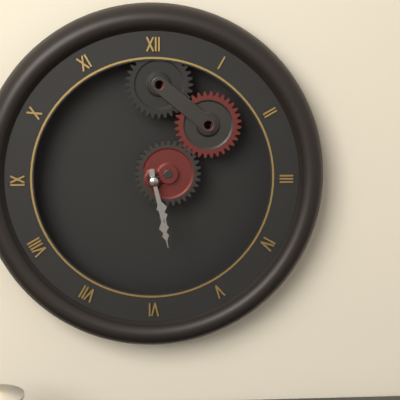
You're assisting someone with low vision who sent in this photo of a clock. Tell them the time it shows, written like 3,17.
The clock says 5,28
